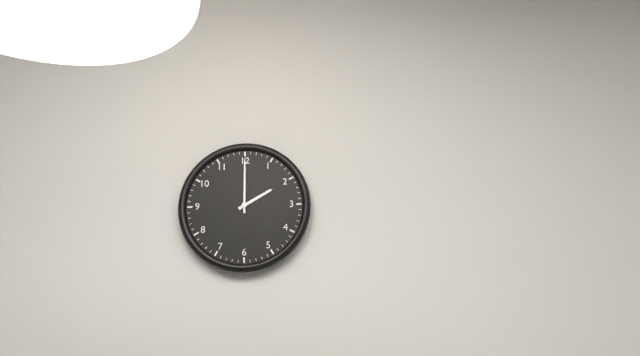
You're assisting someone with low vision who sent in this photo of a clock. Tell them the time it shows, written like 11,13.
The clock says 2,00
